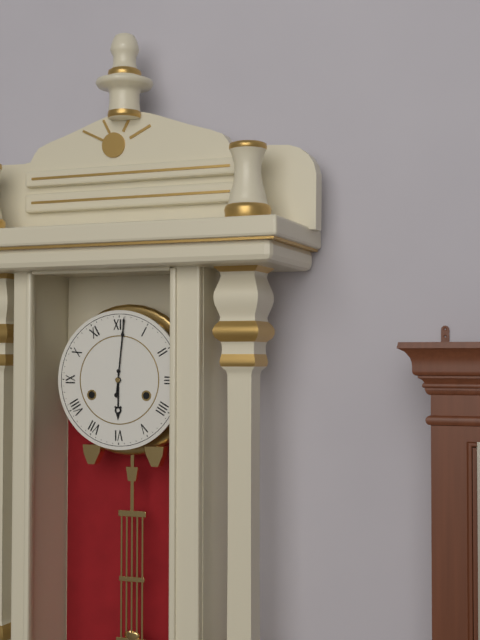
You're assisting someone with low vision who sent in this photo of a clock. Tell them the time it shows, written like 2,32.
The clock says 6,01
